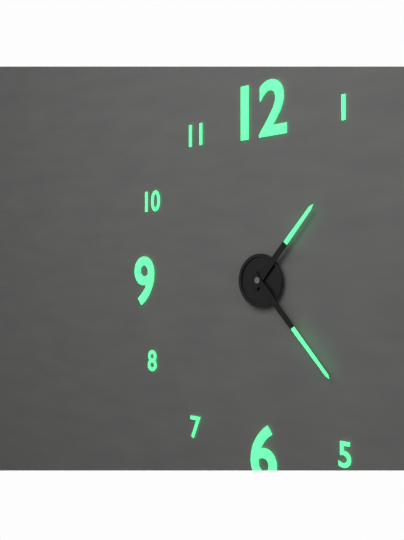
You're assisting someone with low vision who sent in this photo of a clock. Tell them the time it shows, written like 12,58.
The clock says 1,23
